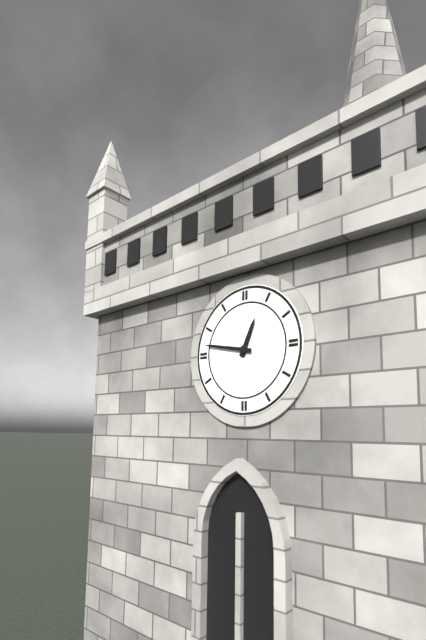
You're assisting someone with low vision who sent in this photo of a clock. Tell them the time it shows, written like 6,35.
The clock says 12,47
